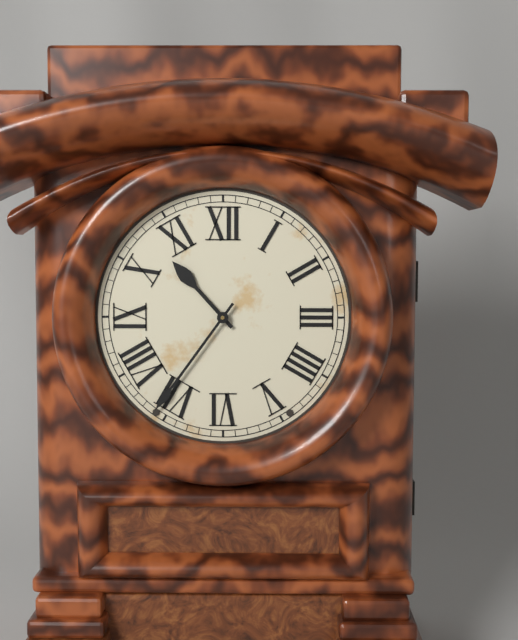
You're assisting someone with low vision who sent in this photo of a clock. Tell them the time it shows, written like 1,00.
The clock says 10,36
